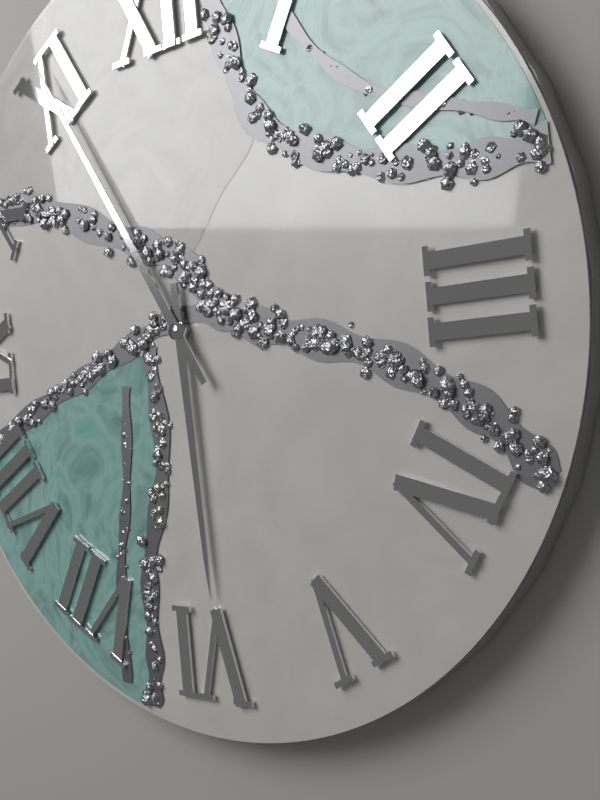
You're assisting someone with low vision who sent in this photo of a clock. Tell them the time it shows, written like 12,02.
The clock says 5,55
